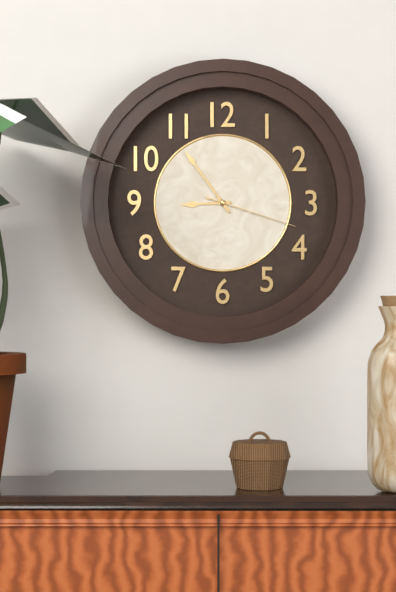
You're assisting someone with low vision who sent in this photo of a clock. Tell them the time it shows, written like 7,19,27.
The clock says 8,54,18
